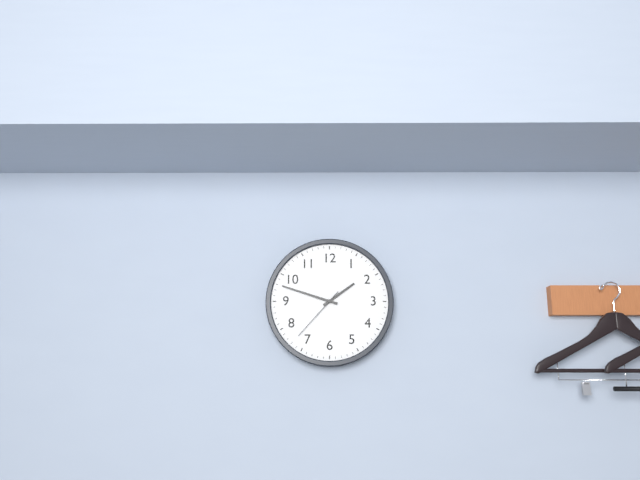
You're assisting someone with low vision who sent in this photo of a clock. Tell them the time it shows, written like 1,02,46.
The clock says 1,48,37
